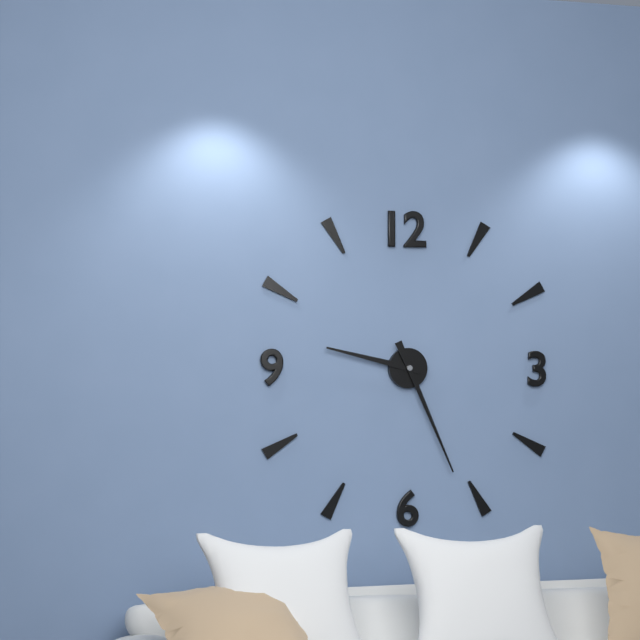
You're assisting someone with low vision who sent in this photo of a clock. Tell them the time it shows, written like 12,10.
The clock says 9,26
